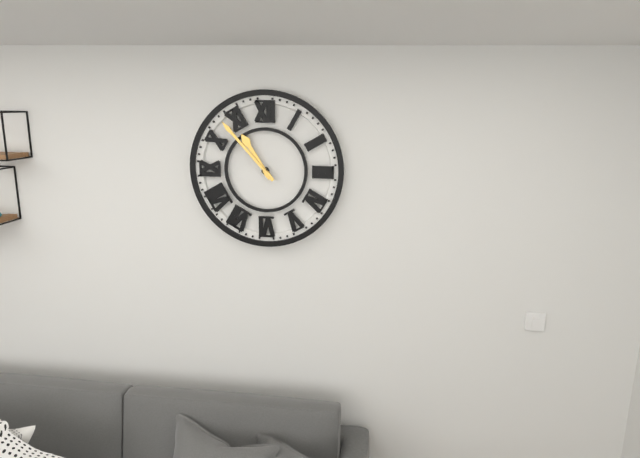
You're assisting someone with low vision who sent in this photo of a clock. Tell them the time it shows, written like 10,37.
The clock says 10,53
